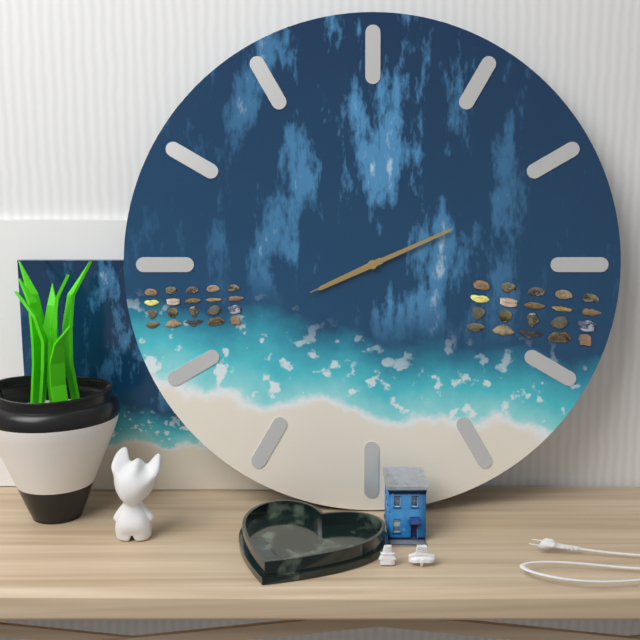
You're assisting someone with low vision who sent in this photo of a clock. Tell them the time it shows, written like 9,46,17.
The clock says 8,11,41
